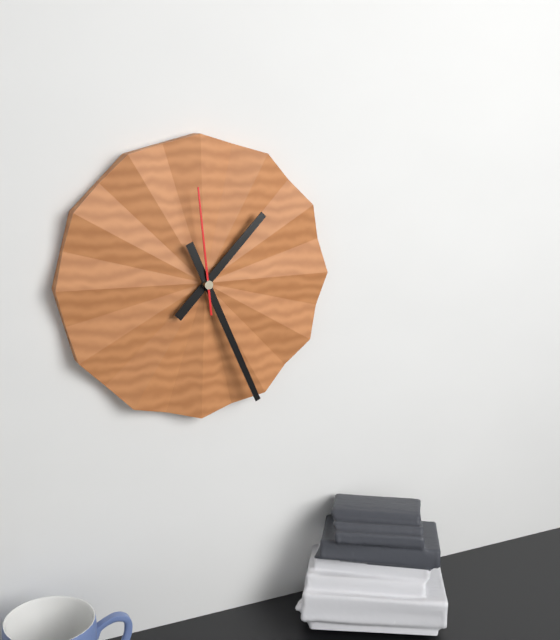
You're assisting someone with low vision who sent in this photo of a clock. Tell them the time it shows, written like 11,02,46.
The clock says 1,26,59
